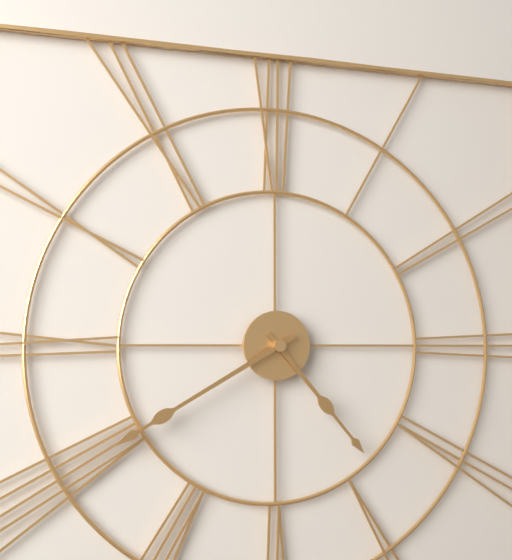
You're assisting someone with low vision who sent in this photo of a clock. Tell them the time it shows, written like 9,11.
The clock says 4,40
